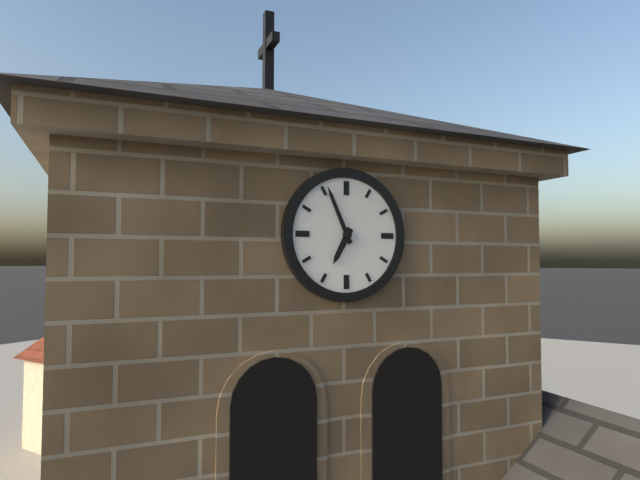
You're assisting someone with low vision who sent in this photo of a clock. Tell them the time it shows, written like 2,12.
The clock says 6,56
